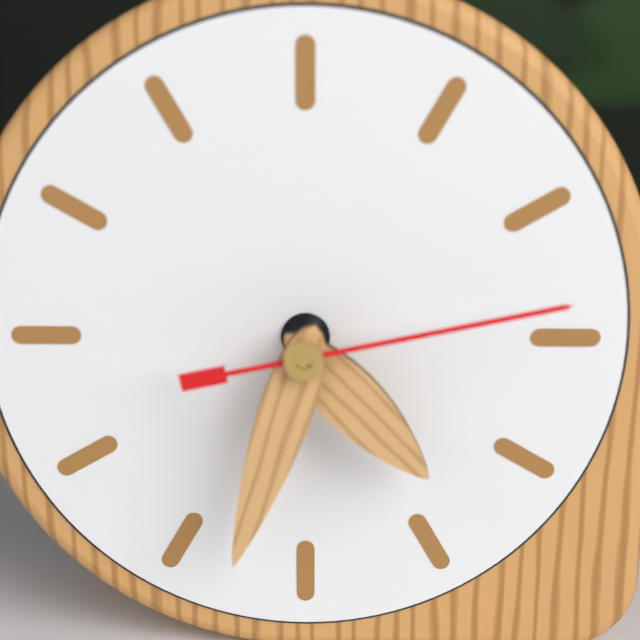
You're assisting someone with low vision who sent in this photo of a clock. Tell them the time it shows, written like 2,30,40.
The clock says 4,33,13
